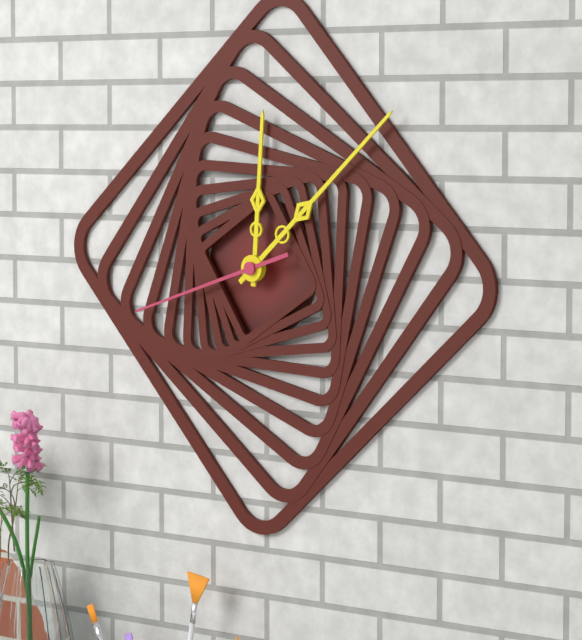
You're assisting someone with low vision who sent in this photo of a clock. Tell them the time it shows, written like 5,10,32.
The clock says 12,08,42
